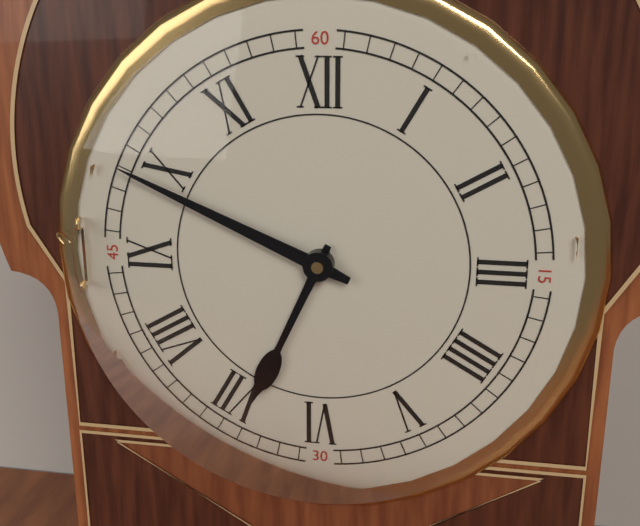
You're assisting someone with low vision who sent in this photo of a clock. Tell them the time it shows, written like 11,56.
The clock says 6,49
